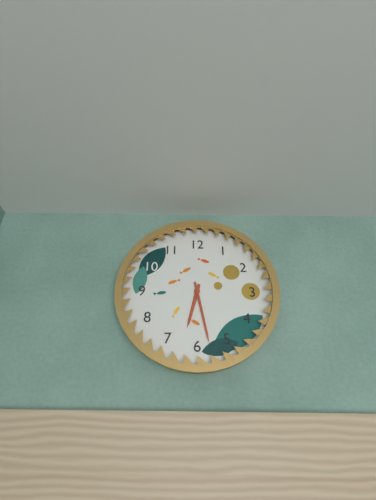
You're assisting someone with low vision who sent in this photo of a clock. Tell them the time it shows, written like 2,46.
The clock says 6,28
